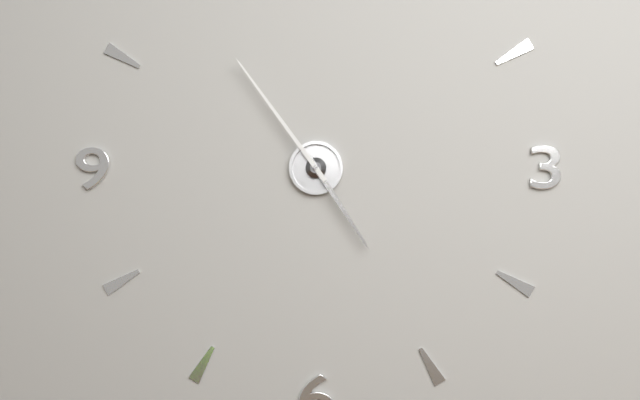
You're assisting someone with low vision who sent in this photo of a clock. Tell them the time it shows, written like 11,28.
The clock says 4,54
